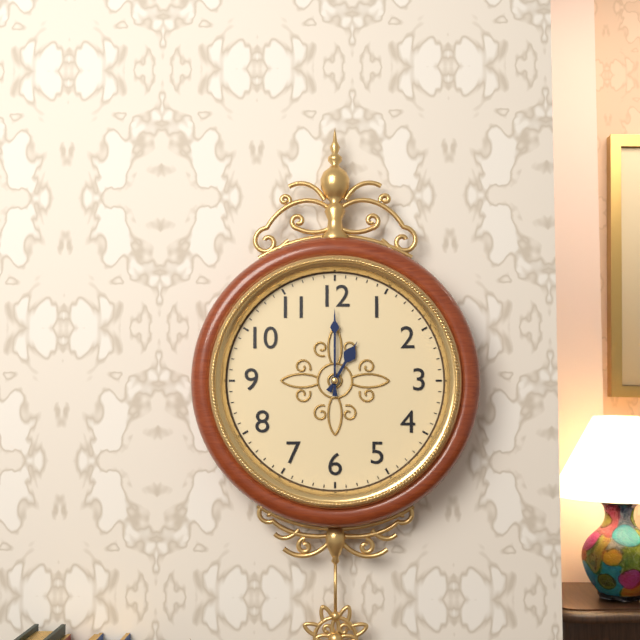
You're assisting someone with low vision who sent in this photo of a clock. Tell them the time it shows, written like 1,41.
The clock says 1,00
